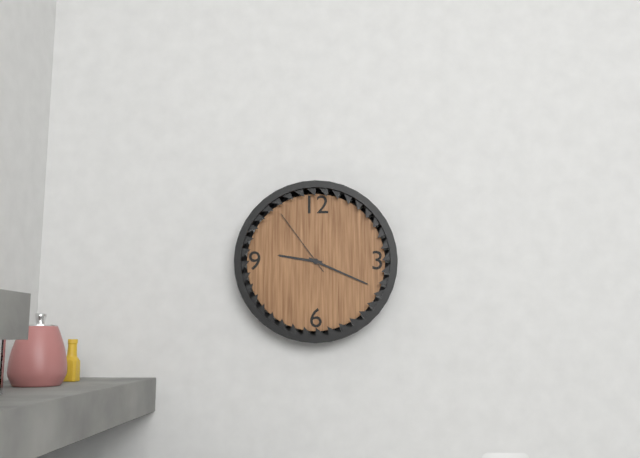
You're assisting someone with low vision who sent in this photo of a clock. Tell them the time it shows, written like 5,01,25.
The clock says 9,19,54
